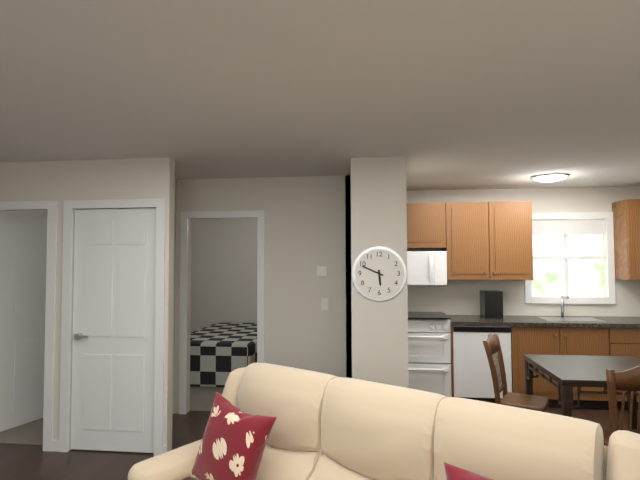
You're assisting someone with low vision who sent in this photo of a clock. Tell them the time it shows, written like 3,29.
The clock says 5,49
